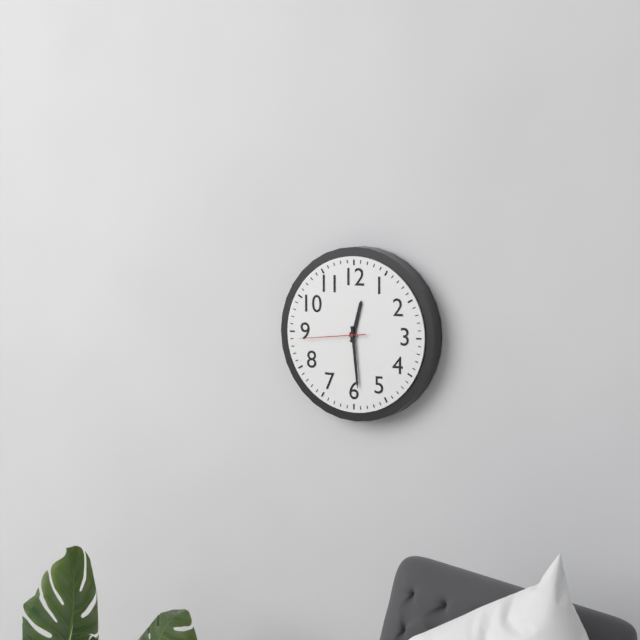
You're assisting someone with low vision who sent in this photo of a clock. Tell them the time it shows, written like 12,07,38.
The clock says 12,29,44
